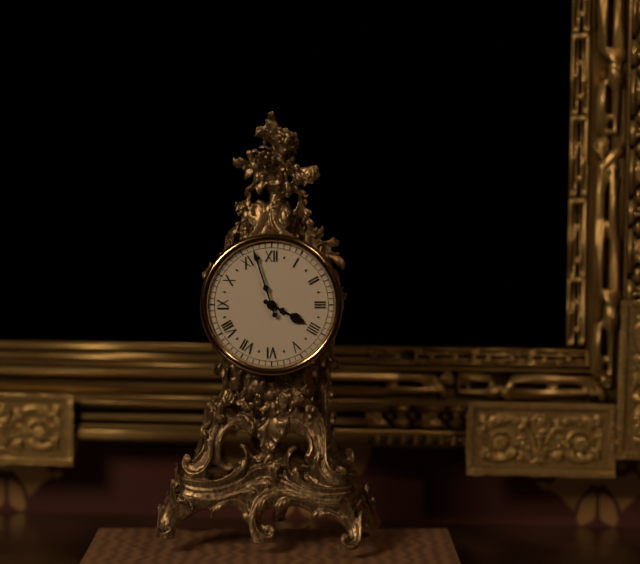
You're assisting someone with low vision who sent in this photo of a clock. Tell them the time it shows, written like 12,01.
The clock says 3,57
